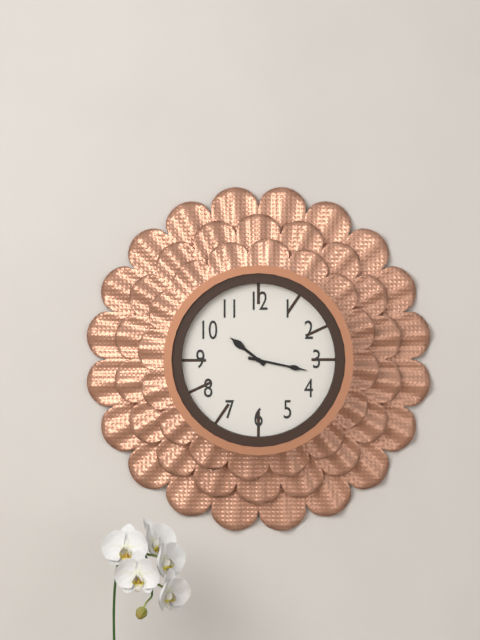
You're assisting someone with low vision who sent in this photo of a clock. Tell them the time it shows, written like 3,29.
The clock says 10,17
